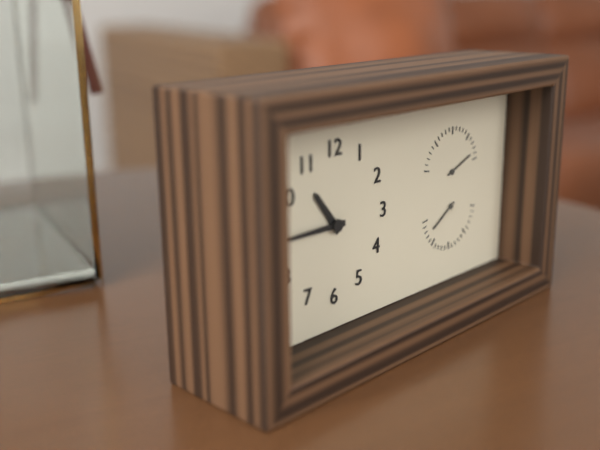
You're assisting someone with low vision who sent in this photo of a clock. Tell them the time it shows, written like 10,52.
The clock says 10,45
